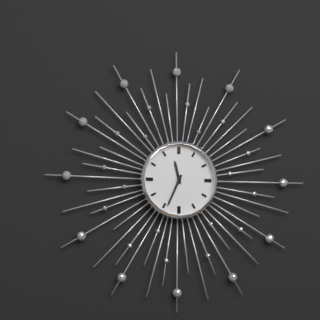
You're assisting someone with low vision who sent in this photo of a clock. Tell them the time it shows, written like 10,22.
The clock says 11,34
